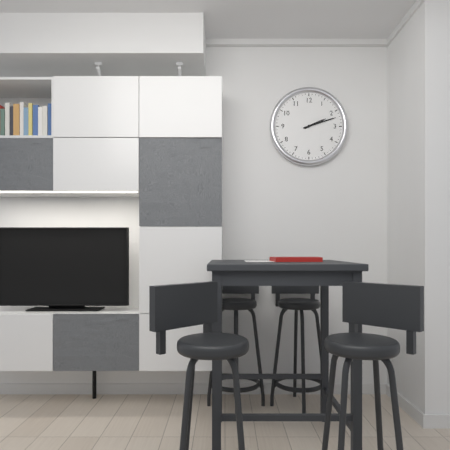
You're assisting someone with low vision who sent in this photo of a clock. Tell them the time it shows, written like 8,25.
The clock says 2,12
